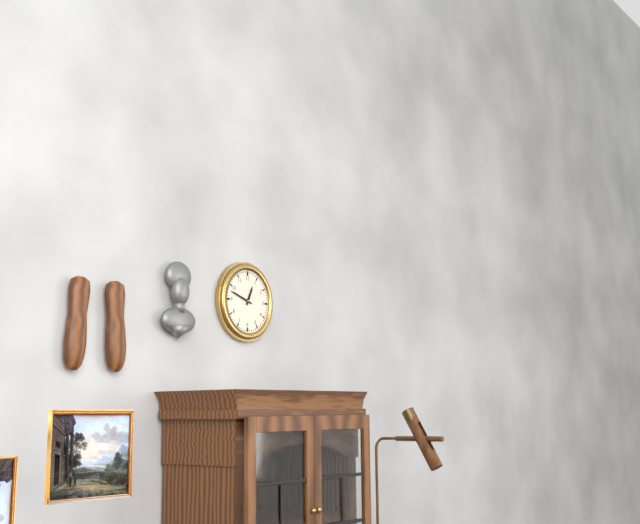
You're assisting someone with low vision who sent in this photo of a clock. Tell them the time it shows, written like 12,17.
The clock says 12,48
